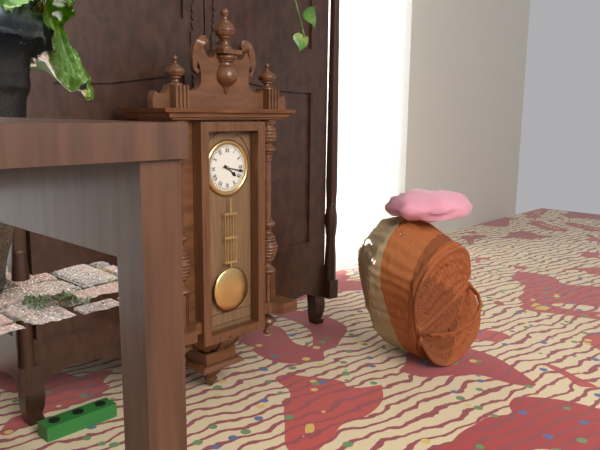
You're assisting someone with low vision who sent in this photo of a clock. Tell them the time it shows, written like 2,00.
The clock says 4,17
